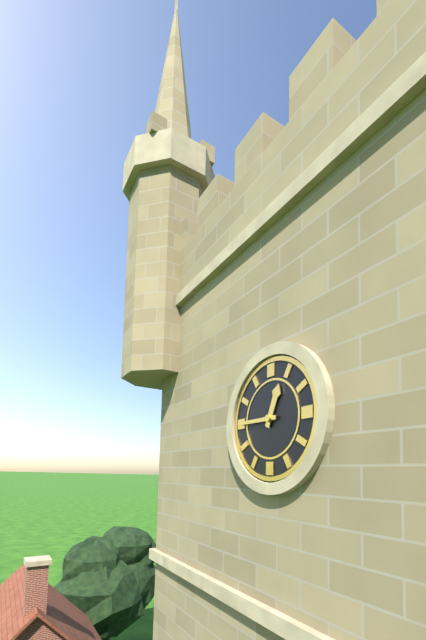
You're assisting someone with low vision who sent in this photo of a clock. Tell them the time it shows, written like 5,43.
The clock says 12,45
